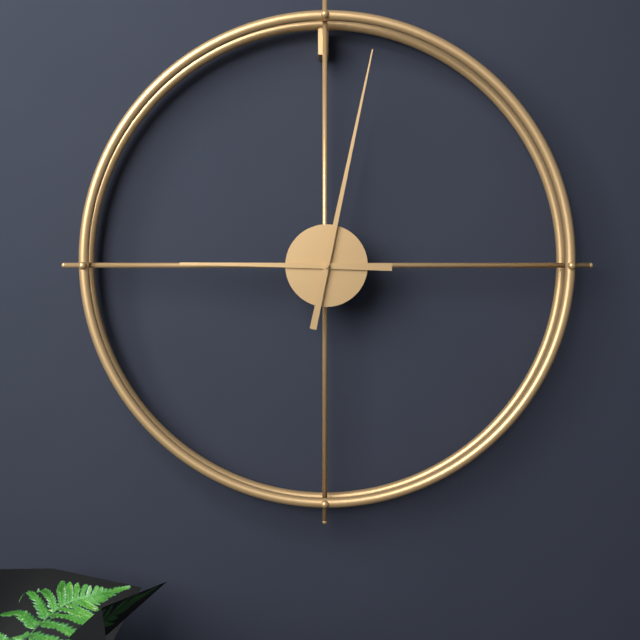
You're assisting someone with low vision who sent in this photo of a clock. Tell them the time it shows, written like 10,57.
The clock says 9,02
